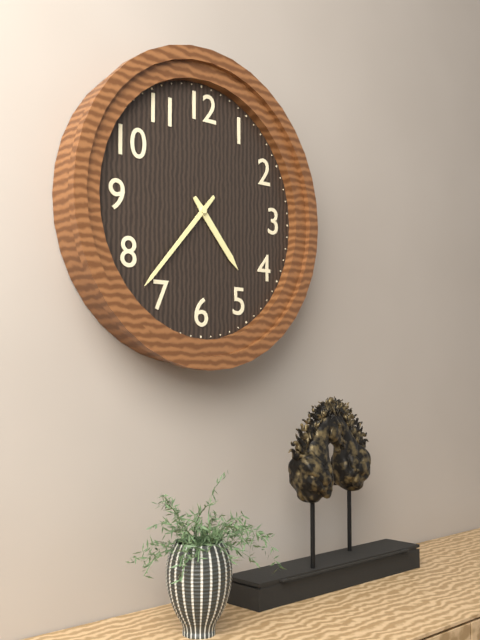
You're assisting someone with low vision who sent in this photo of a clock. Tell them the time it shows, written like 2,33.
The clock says 4,37
